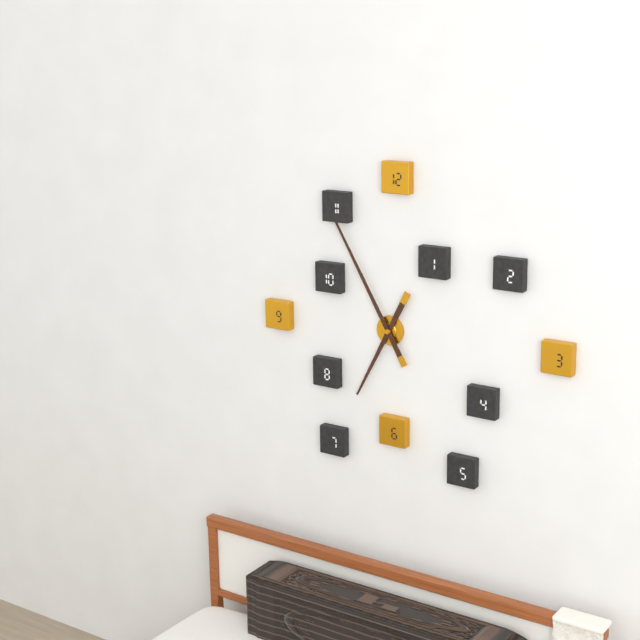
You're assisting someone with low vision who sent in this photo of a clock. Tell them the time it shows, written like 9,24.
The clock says 6,55
